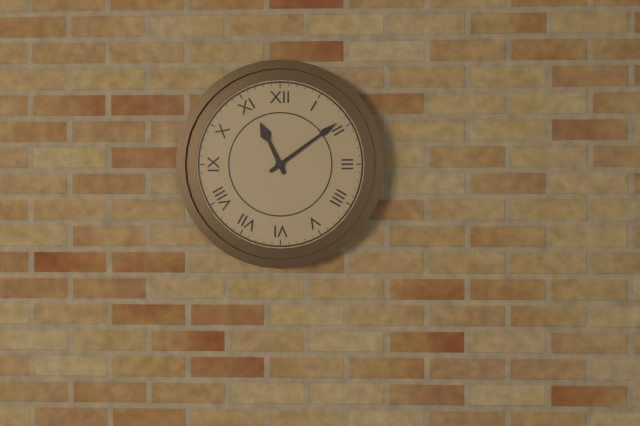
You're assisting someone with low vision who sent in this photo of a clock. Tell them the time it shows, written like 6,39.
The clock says 11,09
